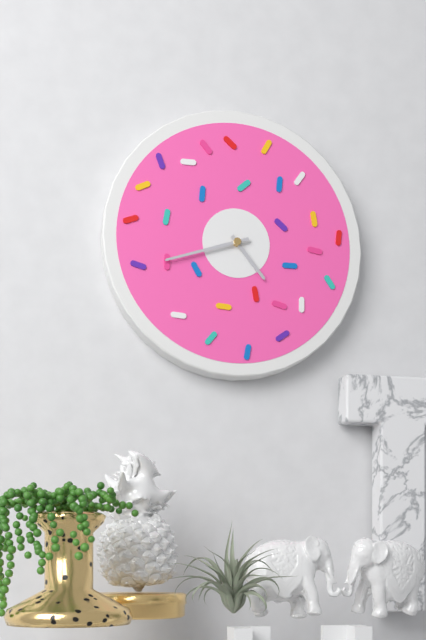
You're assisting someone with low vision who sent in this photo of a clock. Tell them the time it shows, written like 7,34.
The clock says 4,42
